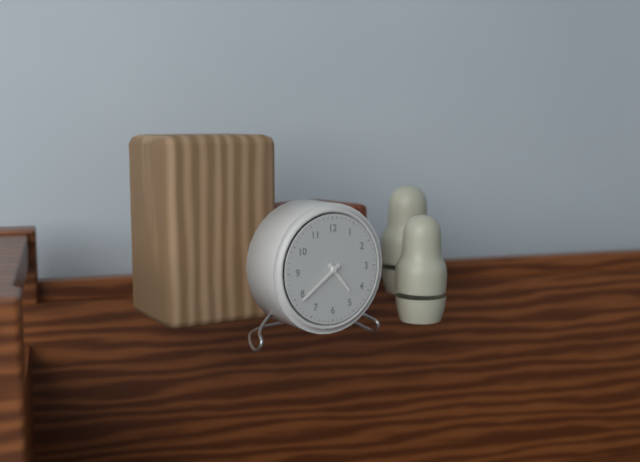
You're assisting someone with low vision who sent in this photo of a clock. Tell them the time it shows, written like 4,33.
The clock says 4,39
